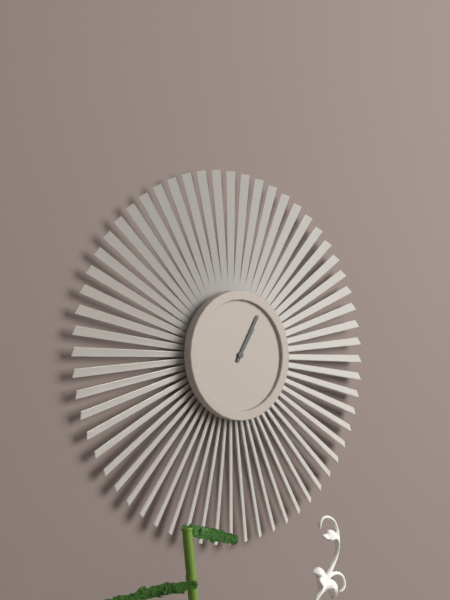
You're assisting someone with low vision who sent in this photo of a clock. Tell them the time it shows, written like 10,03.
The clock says 1,05
